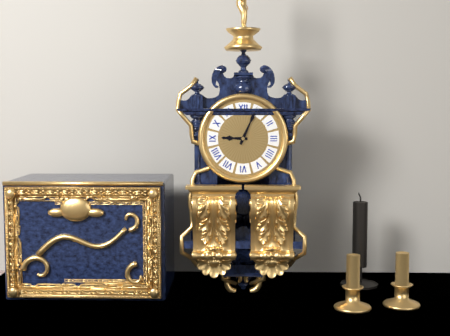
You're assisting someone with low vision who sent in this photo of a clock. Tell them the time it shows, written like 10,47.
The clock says 9,04
